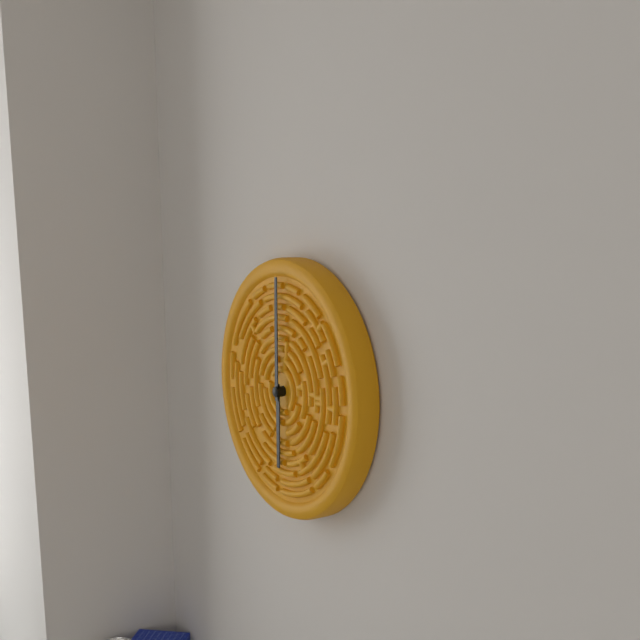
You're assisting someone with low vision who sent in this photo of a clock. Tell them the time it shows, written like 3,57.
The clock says 6,00
